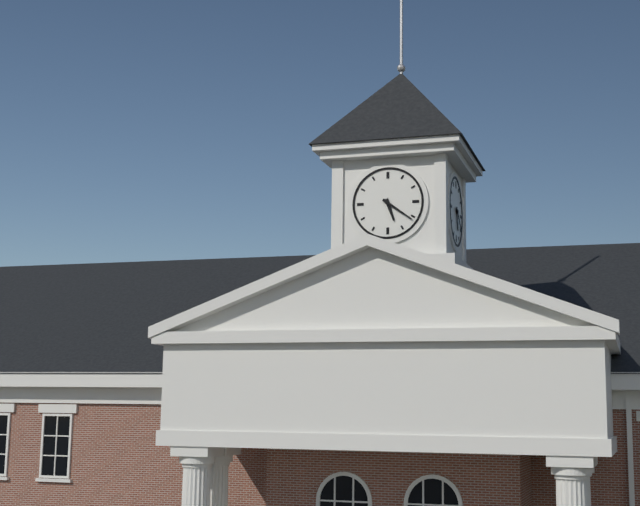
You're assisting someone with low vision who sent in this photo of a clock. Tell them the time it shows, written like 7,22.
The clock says 5,21
